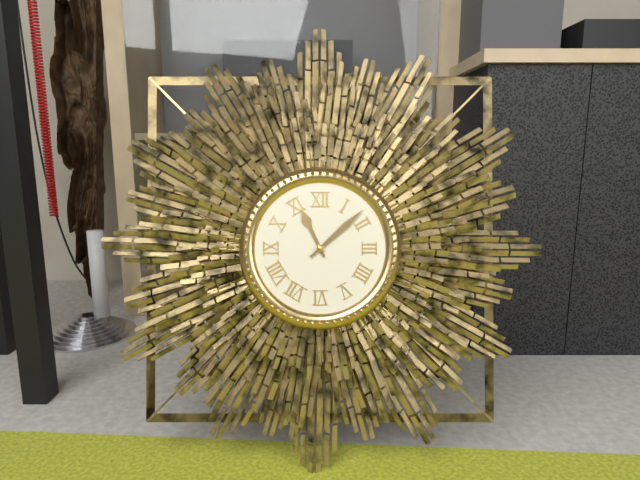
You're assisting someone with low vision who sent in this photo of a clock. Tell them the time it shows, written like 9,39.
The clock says 11,08
